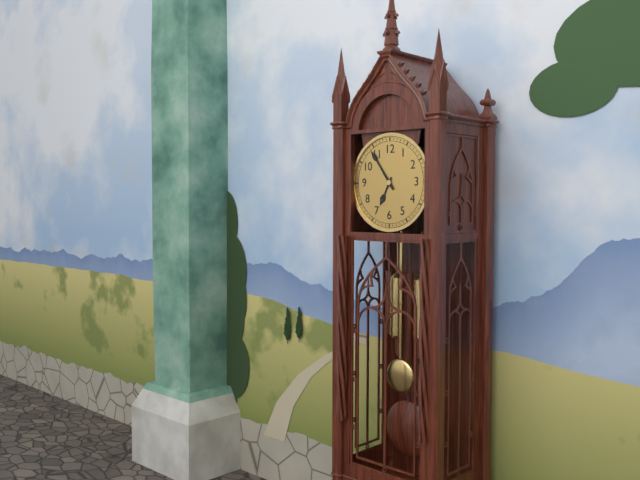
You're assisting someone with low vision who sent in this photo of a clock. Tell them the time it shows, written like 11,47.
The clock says 6,54
